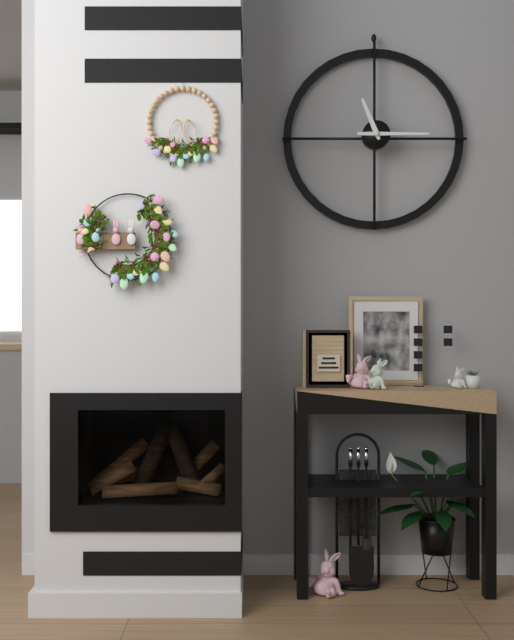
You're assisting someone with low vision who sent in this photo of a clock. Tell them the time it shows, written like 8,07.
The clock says 11,15
